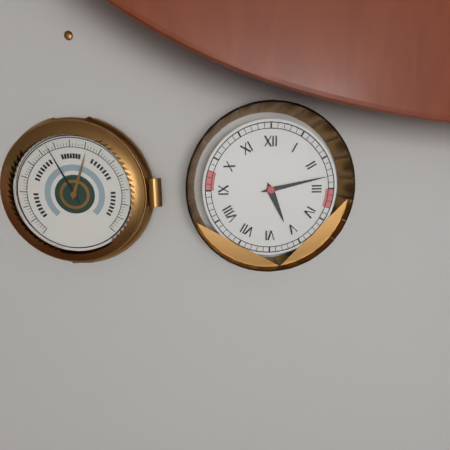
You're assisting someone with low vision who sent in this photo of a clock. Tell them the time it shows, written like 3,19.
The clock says 5,13
